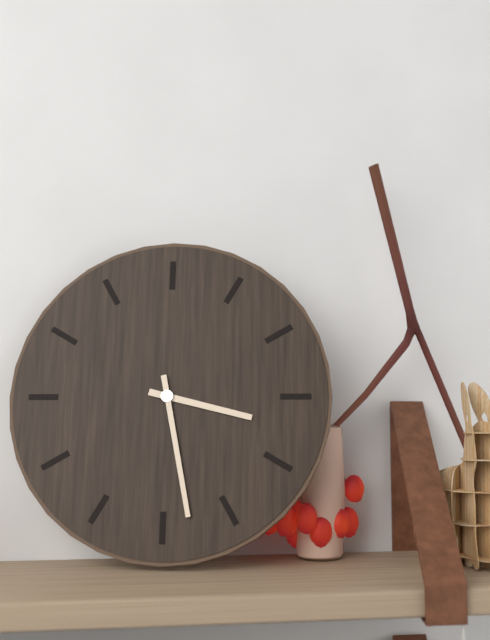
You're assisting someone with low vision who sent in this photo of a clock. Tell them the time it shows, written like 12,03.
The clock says 3,28
